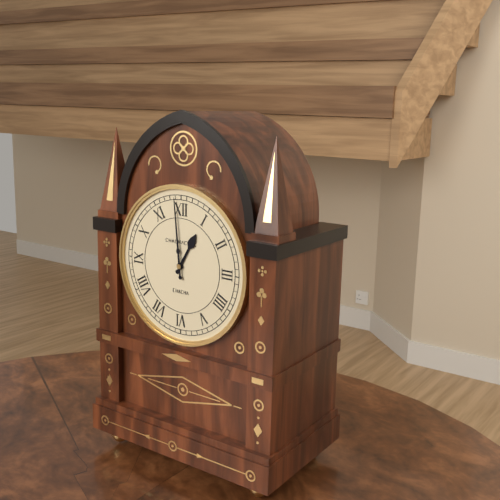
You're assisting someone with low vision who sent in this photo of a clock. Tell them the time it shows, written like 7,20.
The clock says 12,59
